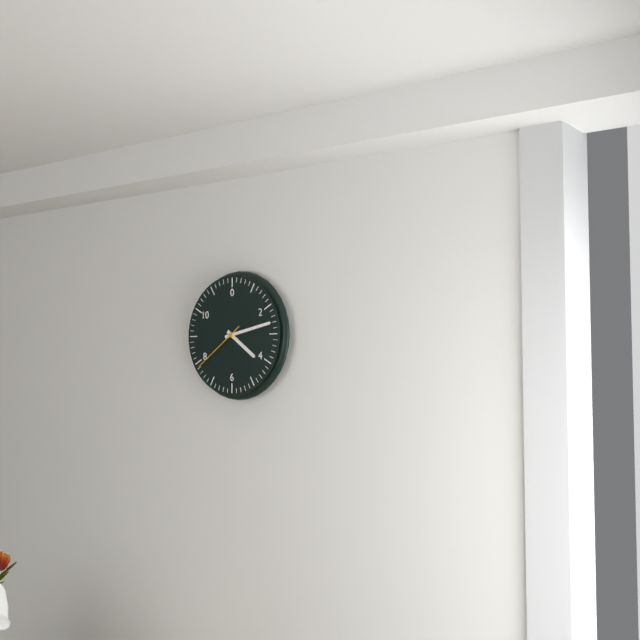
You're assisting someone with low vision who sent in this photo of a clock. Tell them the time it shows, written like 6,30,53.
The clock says 4,13,39
